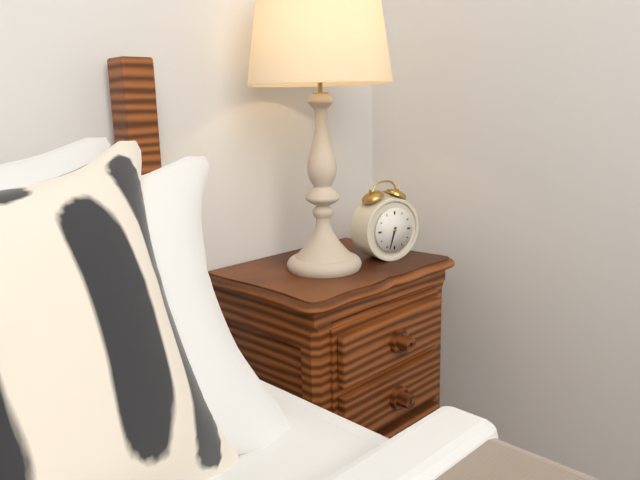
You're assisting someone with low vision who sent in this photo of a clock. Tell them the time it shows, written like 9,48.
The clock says 6,33
